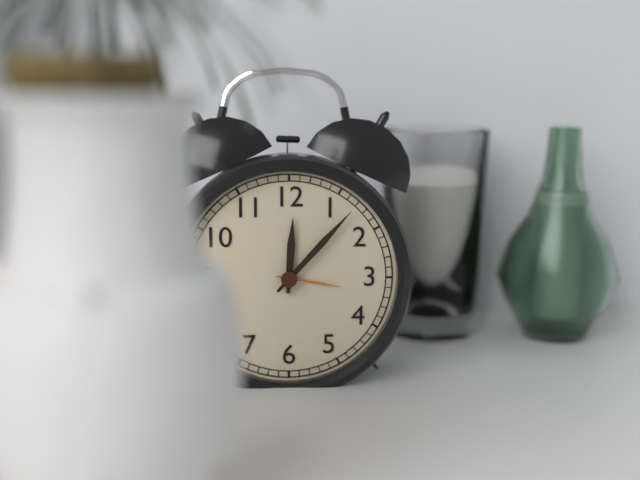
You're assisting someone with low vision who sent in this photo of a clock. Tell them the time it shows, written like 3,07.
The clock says 12,07
